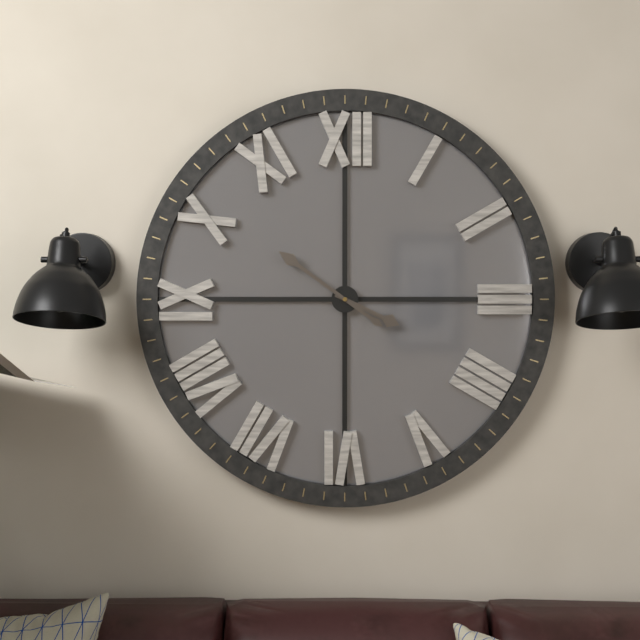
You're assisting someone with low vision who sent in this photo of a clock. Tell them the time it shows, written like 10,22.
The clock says 3,51
